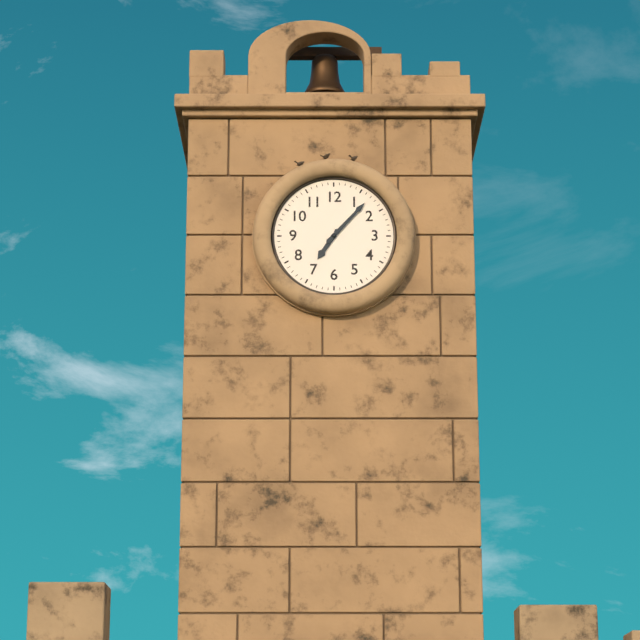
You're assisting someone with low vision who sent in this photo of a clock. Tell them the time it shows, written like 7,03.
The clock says 7,07
